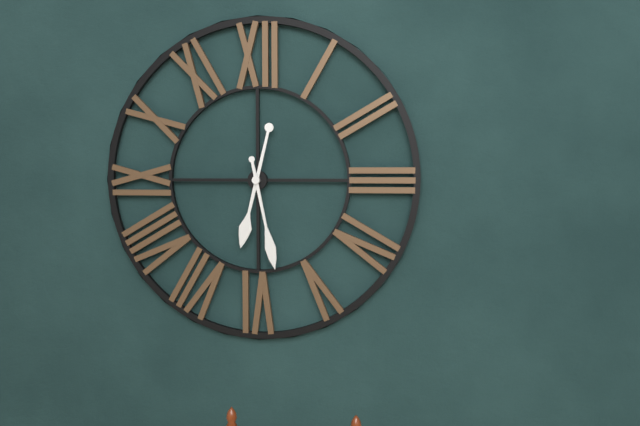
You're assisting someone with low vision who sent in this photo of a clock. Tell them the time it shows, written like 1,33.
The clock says 6,28
